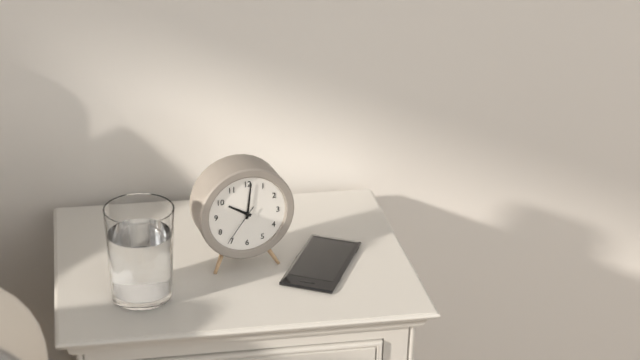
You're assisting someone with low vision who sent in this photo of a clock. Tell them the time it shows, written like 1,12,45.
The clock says 10,01,36
